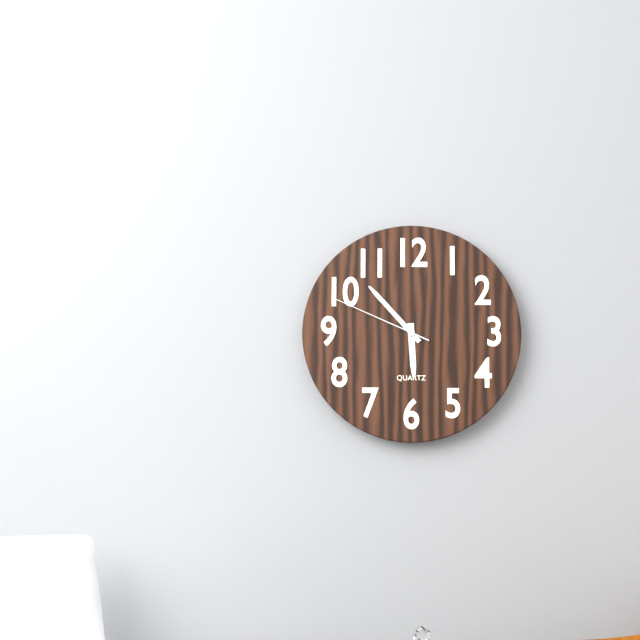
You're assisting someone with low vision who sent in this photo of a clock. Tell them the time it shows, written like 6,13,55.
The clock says 5,53,49
